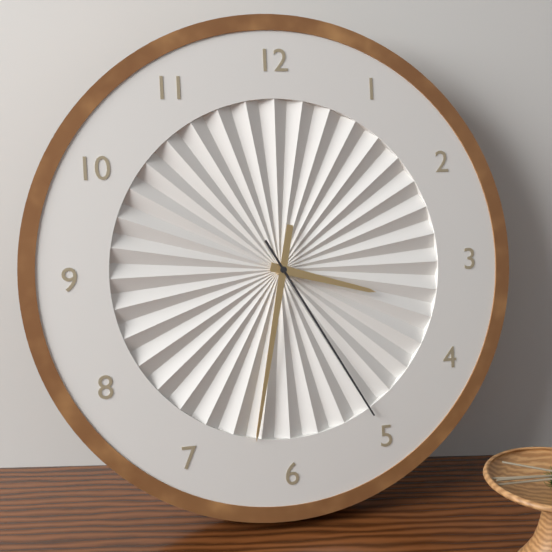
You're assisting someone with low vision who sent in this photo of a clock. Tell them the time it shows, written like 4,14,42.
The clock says 3,32,25
